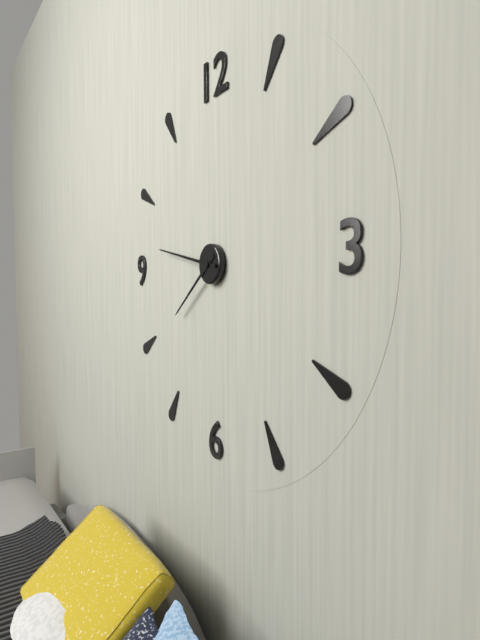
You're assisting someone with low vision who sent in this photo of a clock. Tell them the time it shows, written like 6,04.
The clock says 7,47
